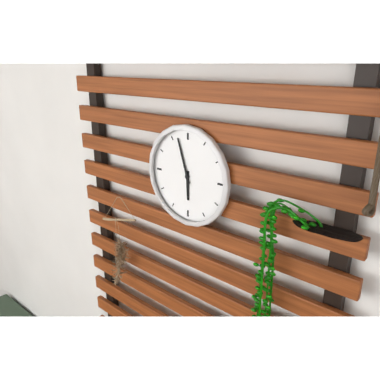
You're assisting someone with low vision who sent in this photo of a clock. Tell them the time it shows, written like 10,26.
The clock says 5,57
